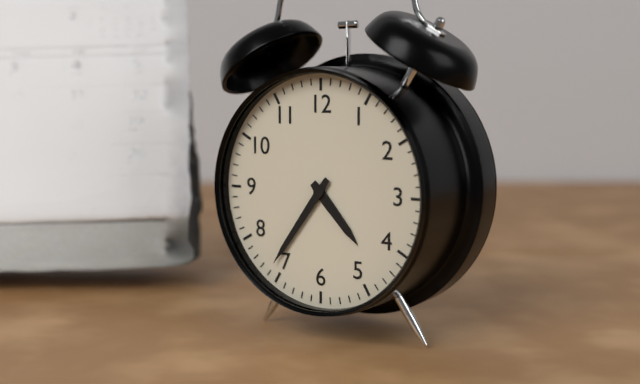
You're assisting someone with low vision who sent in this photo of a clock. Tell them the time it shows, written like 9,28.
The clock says 4,36
